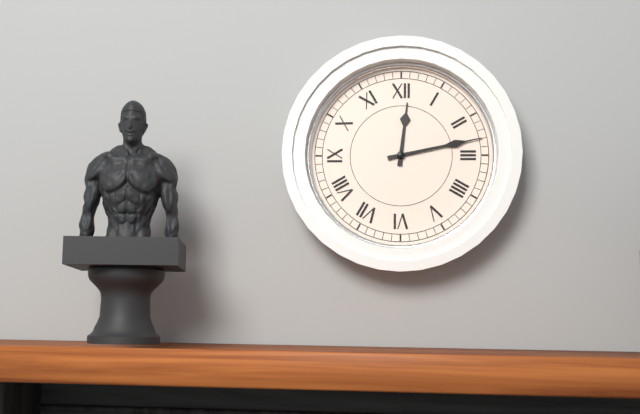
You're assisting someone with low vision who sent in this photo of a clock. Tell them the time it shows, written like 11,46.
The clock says 12,13
